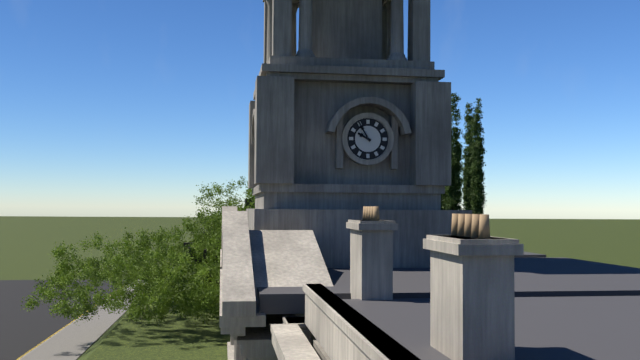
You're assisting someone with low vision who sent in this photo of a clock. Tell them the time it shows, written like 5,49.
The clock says 9,55
